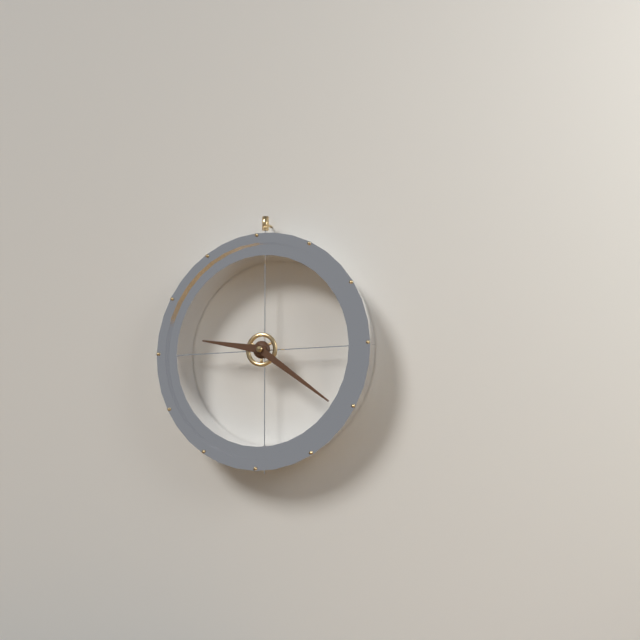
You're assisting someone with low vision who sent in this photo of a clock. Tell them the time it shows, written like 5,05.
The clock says 9,21
